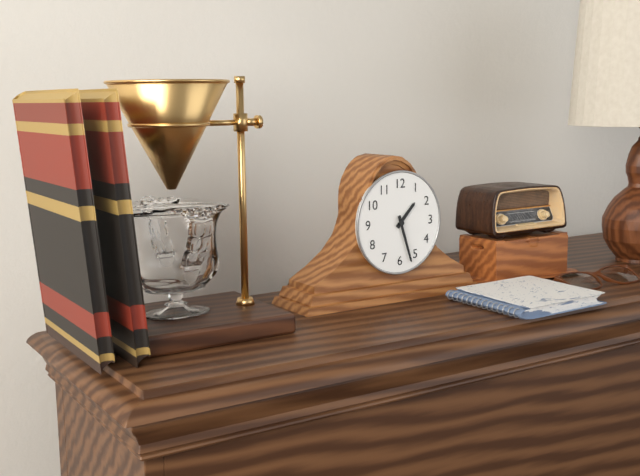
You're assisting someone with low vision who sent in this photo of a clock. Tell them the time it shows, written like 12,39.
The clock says 1,27
